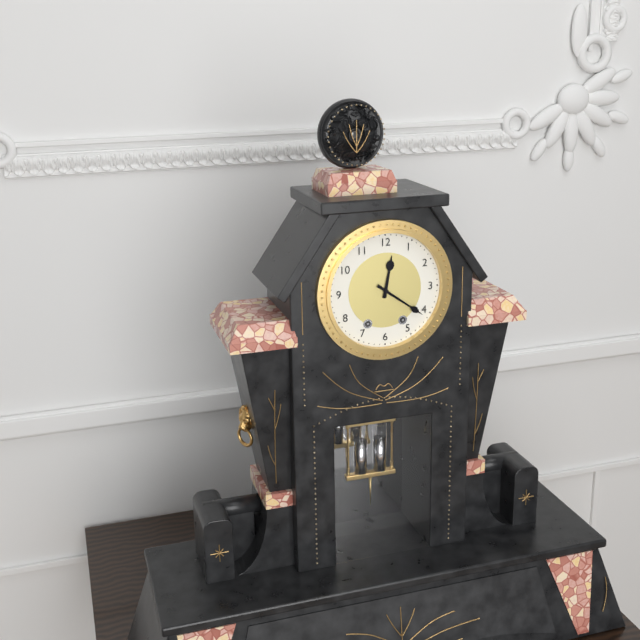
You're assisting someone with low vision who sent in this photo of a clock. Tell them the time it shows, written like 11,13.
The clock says 12,21
